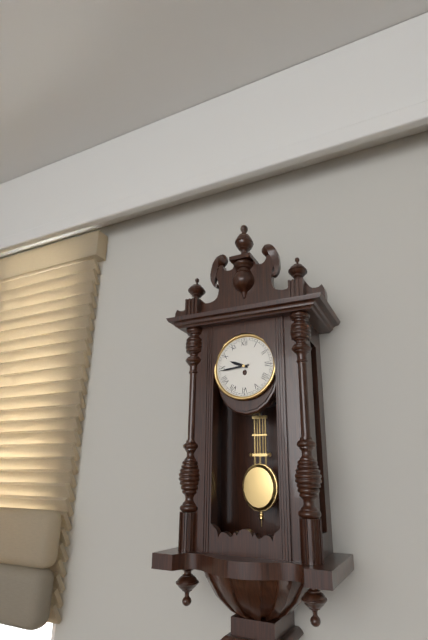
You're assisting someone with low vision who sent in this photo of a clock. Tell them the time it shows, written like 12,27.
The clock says 9,44
